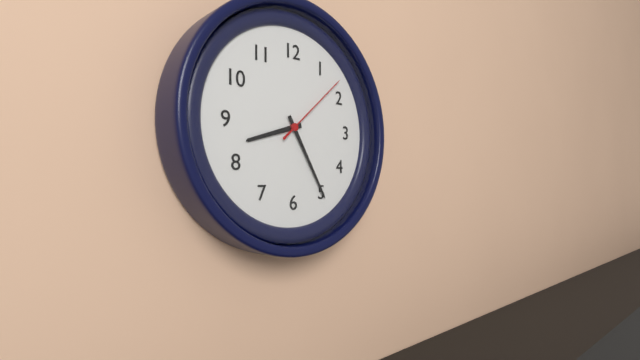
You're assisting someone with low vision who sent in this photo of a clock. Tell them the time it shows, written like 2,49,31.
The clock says 8,25,08
